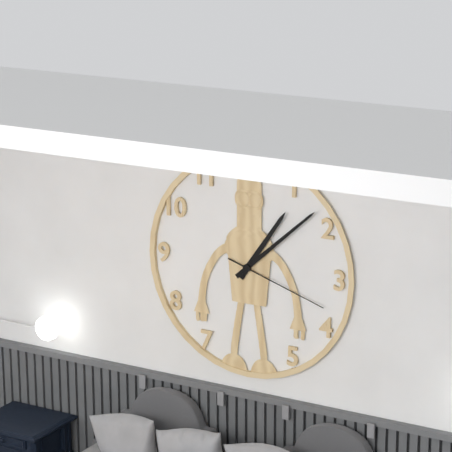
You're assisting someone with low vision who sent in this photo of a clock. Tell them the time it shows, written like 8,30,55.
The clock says 1,08,18
